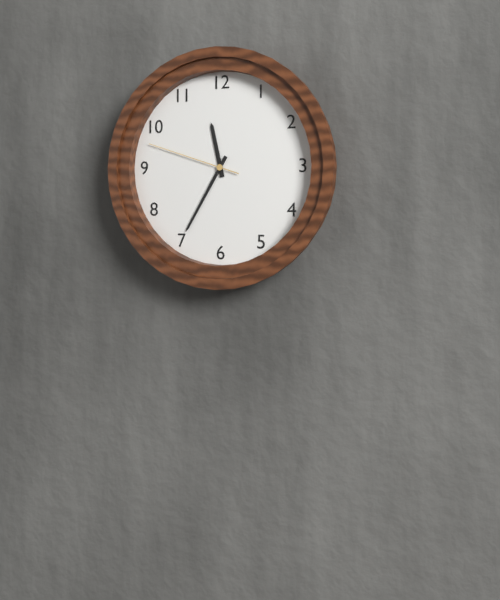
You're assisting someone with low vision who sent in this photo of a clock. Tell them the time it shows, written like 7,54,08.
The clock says 11,35,48
